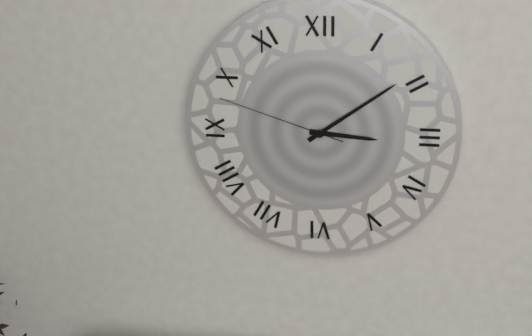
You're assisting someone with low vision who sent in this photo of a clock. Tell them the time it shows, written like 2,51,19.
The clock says 3,09,48
